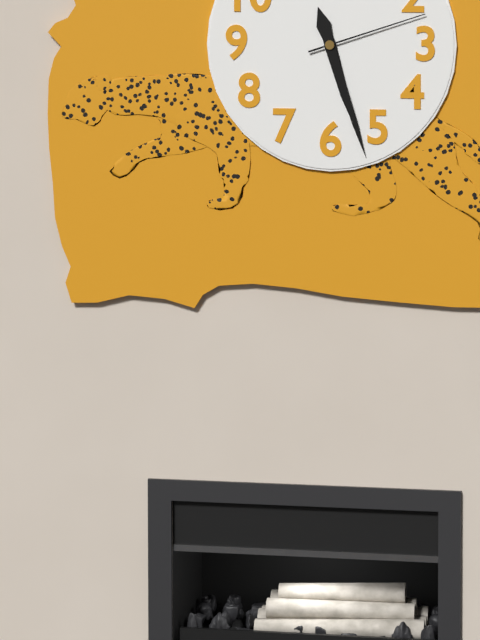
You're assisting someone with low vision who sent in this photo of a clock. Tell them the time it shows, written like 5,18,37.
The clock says 5,27,12
